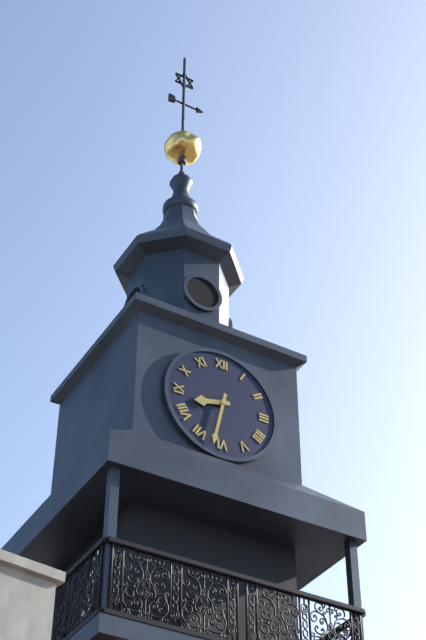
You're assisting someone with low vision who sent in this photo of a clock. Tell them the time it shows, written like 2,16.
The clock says 8,32
